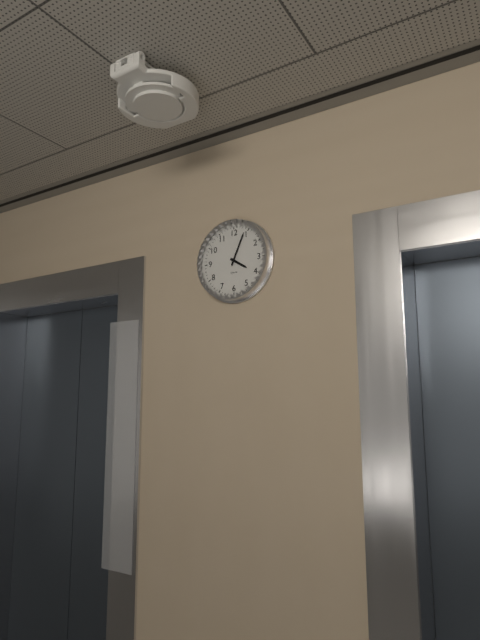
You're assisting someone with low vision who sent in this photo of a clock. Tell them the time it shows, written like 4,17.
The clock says 4,04
